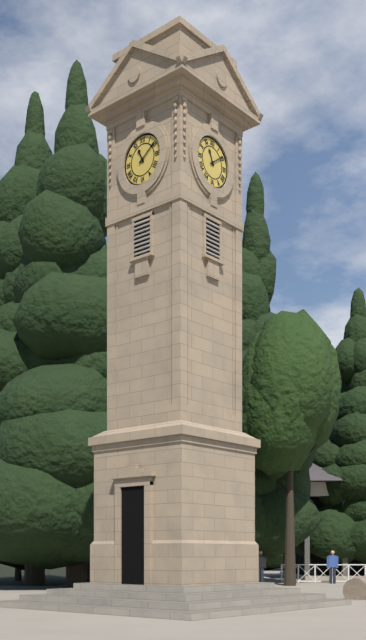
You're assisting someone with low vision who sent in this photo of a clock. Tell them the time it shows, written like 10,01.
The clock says 11,09
